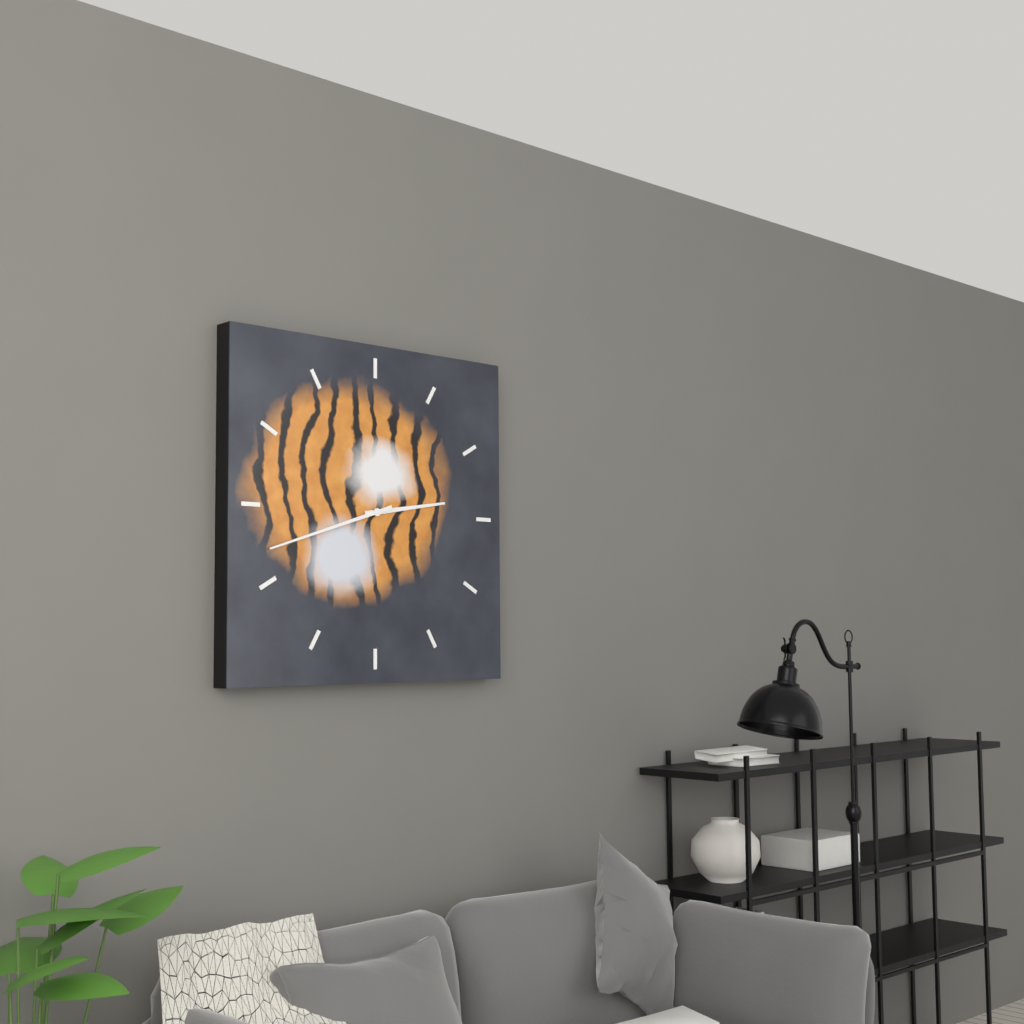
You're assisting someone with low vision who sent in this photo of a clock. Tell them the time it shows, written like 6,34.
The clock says 2,42
